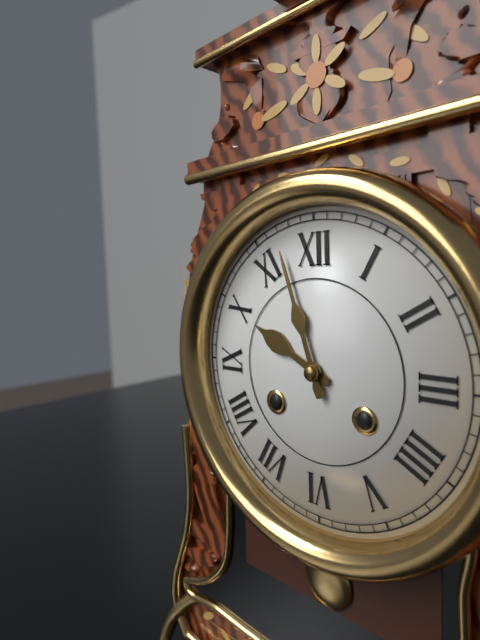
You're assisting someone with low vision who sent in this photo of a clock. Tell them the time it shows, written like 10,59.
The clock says 9,57
